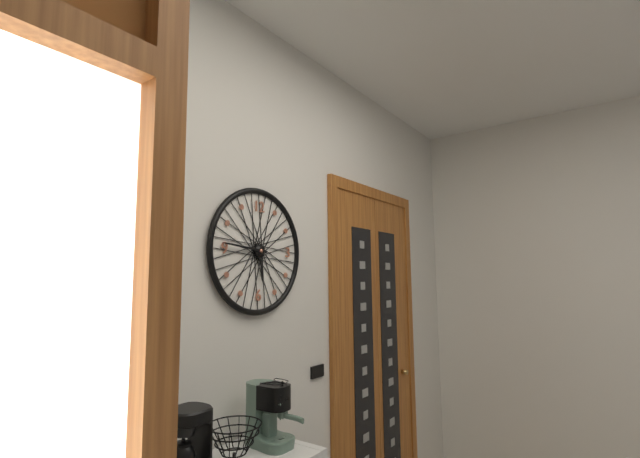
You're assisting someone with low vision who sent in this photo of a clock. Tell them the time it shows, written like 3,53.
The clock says 5,46
